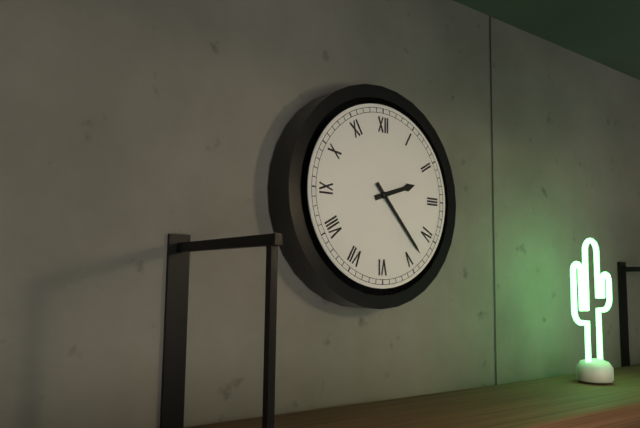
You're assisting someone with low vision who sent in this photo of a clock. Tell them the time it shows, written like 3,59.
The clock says 2,23
